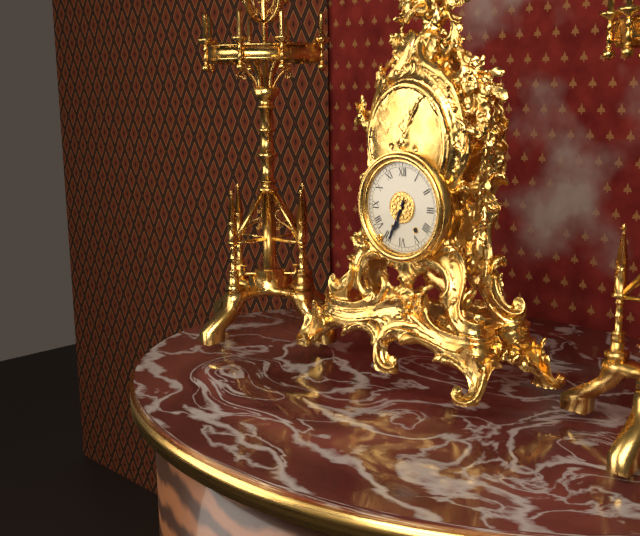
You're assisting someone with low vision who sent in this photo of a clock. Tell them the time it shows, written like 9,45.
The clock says 6,34
